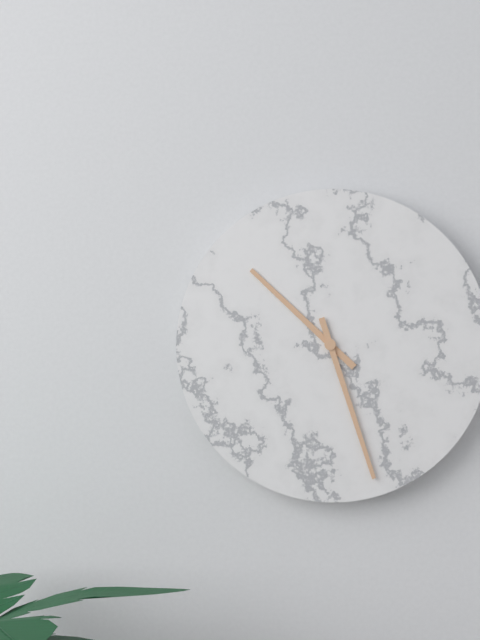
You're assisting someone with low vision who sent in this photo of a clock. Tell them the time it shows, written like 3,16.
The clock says 10,27
